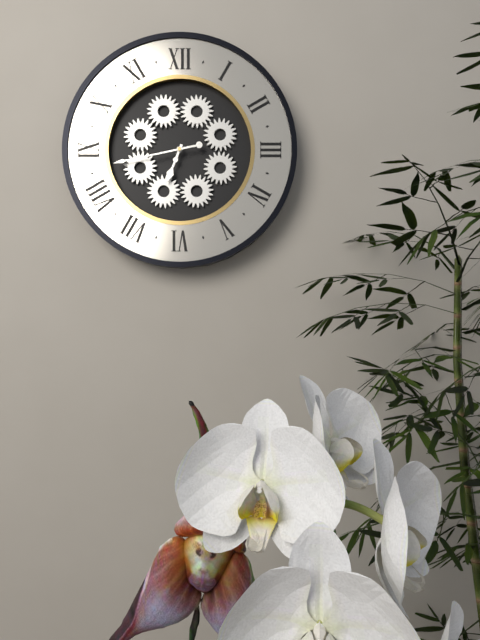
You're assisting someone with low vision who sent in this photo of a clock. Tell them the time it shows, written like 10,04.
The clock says 6,43
